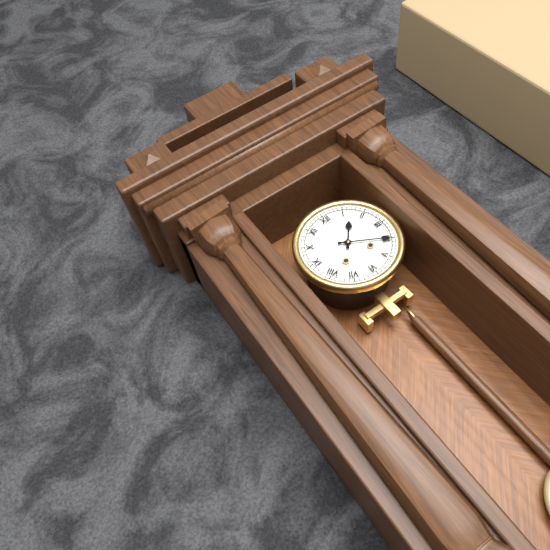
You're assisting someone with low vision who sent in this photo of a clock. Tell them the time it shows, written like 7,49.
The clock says 1,20
